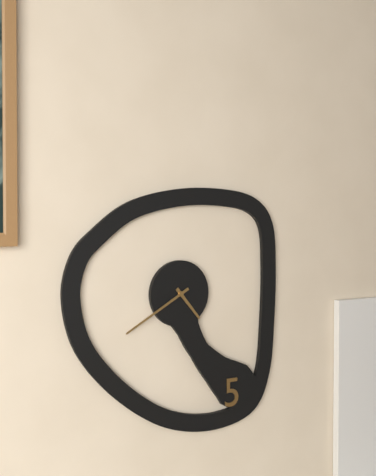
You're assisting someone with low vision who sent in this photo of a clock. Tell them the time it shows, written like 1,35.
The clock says 4,40
